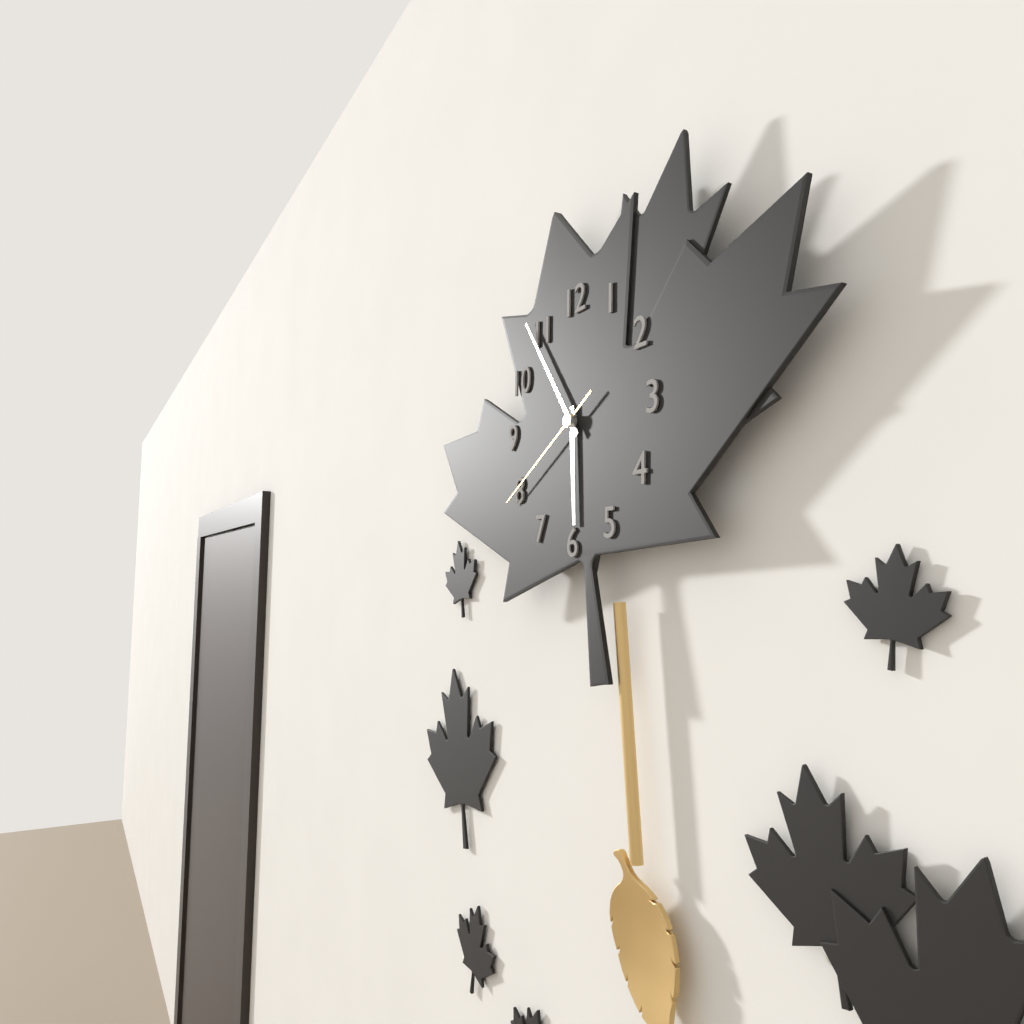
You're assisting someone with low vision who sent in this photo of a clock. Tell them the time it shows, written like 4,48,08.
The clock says 5,54,40
